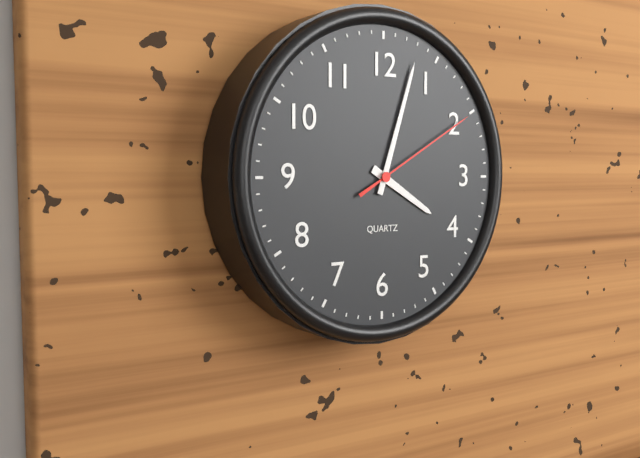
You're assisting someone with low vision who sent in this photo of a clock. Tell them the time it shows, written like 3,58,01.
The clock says 4,03,10
